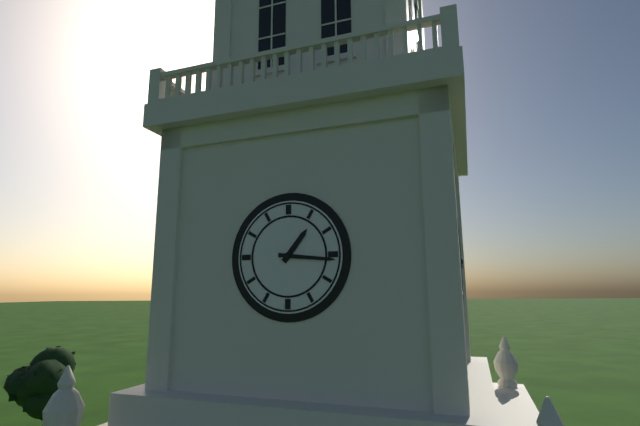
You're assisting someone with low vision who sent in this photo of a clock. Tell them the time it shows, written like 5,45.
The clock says 1,16
